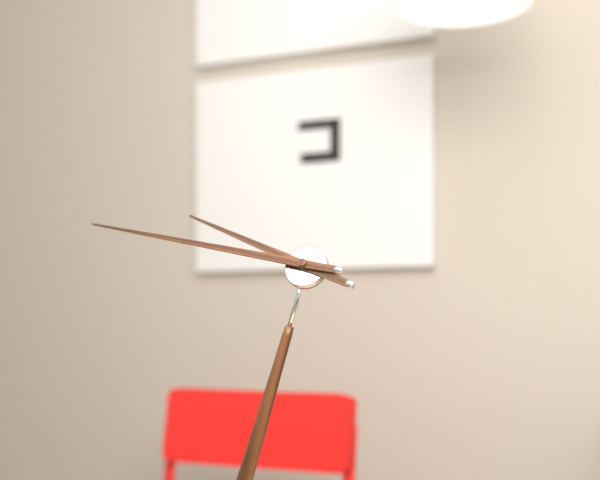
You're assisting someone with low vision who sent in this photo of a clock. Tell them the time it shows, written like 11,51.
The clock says 9,47
